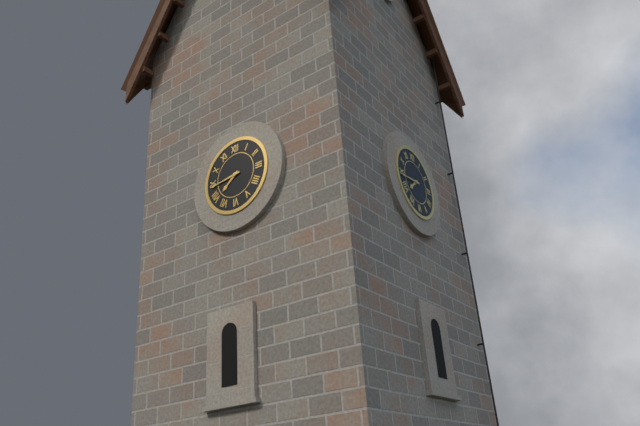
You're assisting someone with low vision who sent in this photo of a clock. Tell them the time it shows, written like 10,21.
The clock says 7,44
